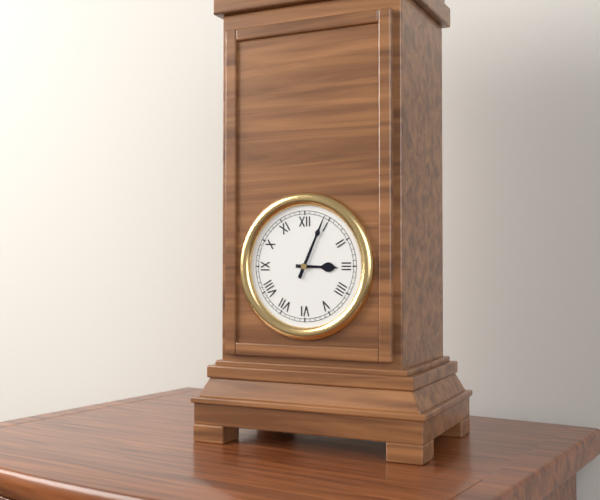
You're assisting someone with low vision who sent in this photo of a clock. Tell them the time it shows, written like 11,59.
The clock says 3,04
